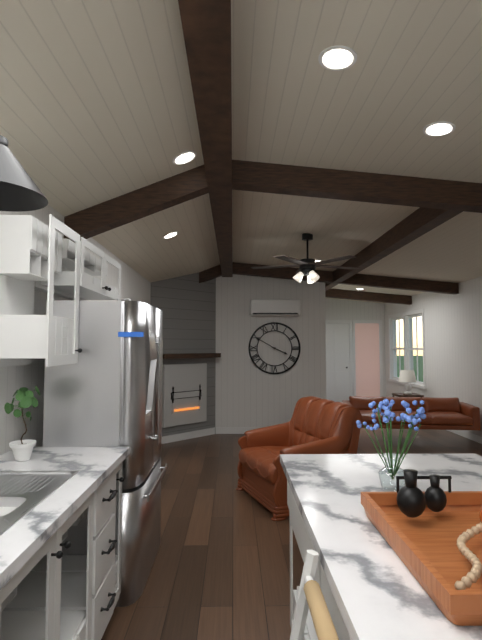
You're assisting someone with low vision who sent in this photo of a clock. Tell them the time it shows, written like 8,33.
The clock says 3,50
